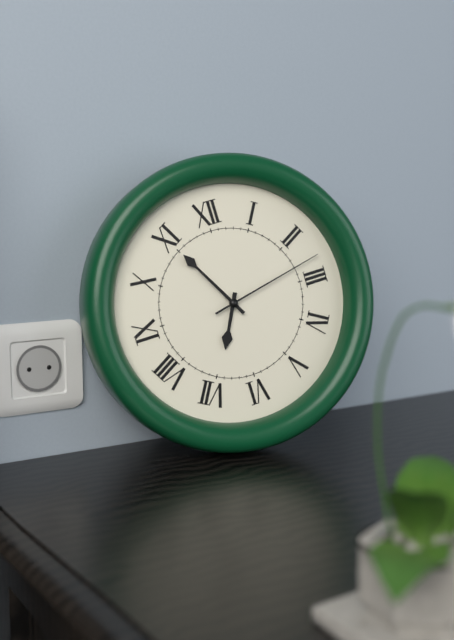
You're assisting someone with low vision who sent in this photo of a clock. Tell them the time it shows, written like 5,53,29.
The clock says 6,55,13
